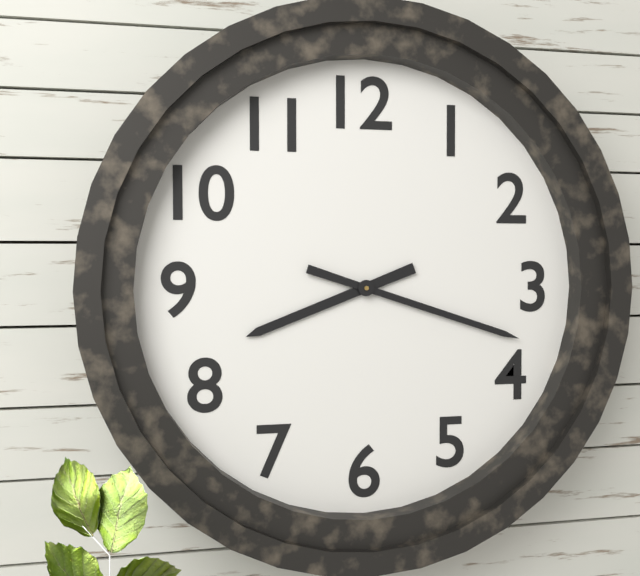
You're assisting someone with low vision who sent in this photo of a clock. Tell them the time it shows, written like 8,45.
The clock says 8,18
